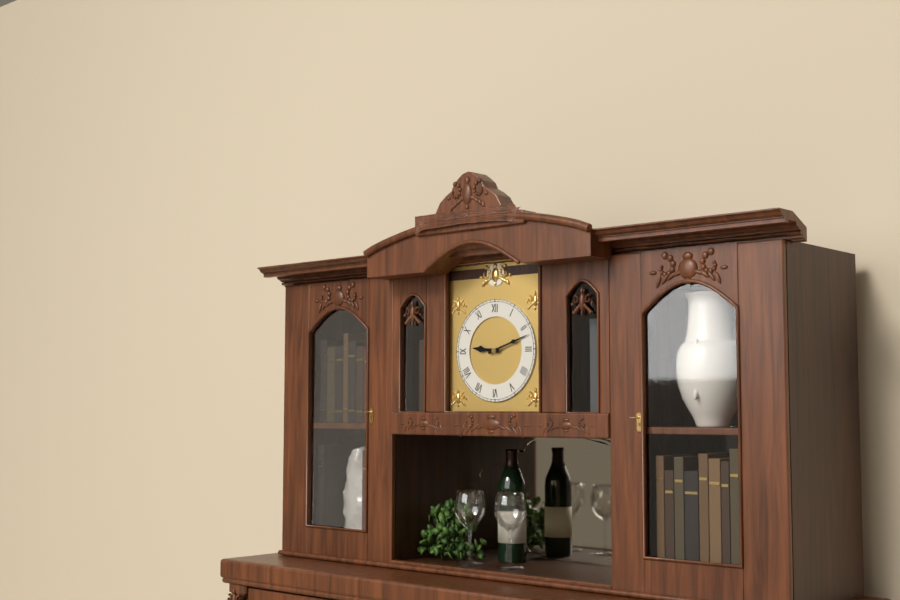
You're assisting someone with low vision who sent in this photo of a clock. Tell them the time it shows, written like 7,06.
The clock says 9,12
